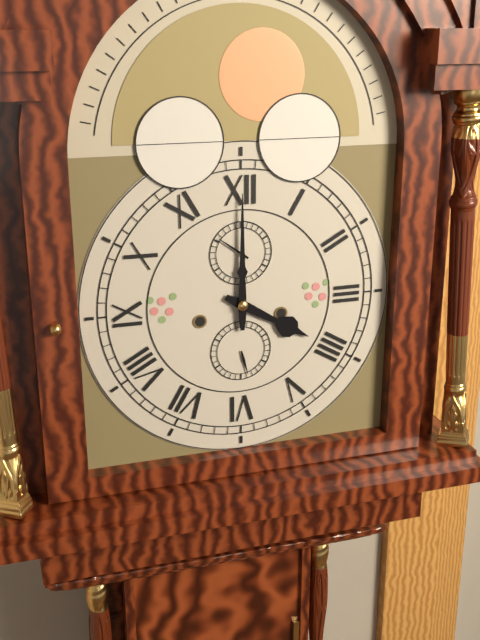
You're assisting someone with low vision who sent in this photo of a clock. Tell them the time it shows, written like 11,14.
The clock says 4,00
